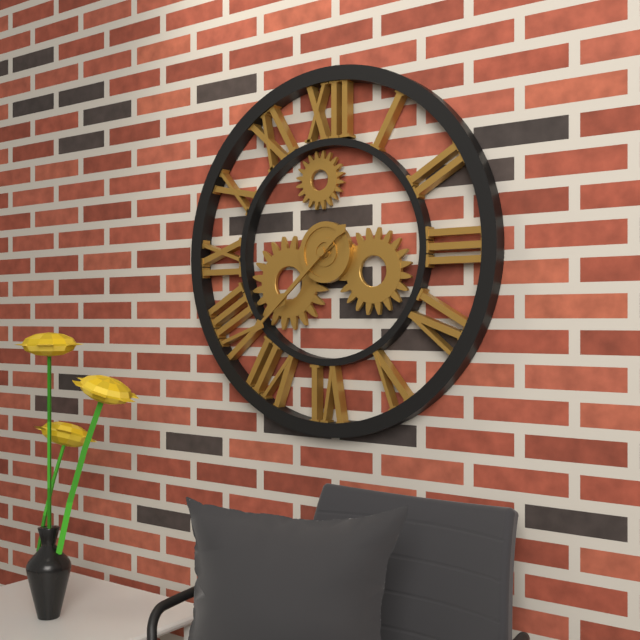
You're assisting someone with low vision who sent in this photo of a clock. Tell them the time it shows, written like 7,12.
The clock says 7,38
